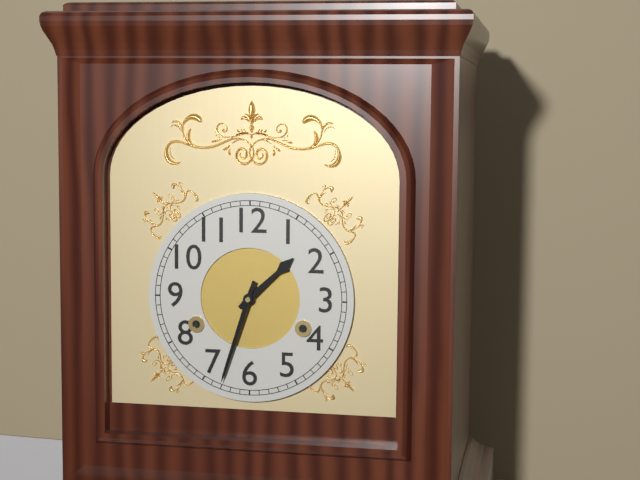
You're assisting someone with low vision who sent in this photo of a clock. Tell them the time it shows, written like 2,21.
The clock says 1,33
